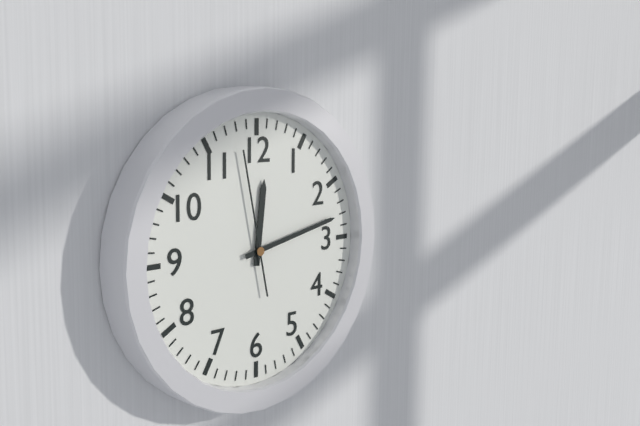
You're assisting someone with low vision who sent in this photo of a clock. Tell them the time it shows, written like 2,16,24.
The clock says 12,13,58
